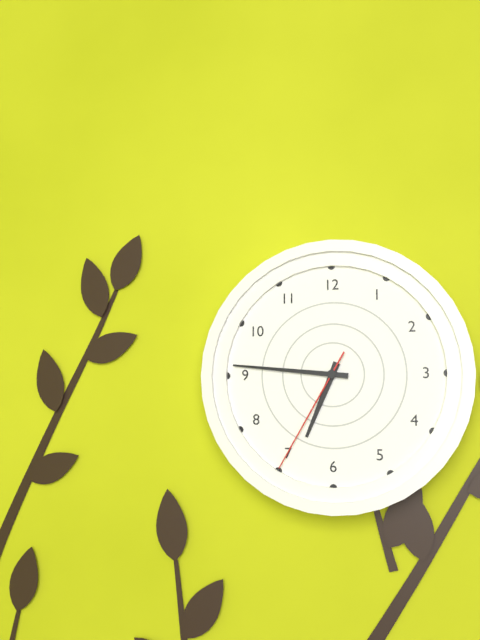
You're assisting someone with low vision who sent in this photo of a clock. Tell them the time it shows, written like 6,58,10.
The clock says 6,46,35
